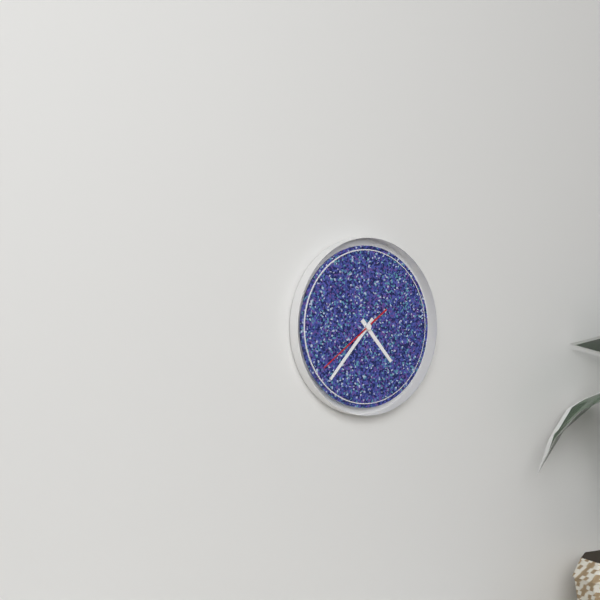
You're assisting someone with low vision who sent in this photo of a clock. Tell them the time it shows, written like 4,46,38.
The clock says 4,37,39
